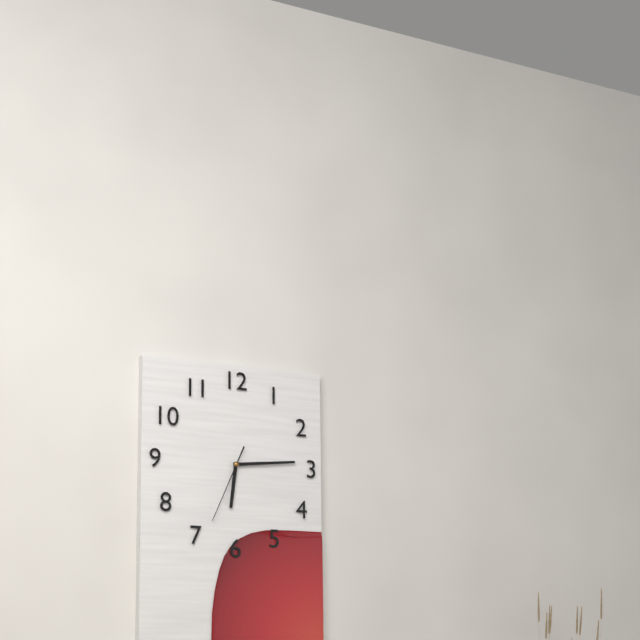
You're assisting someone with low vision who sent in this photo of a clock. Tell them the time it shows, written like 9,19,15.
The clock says 6,14,34
